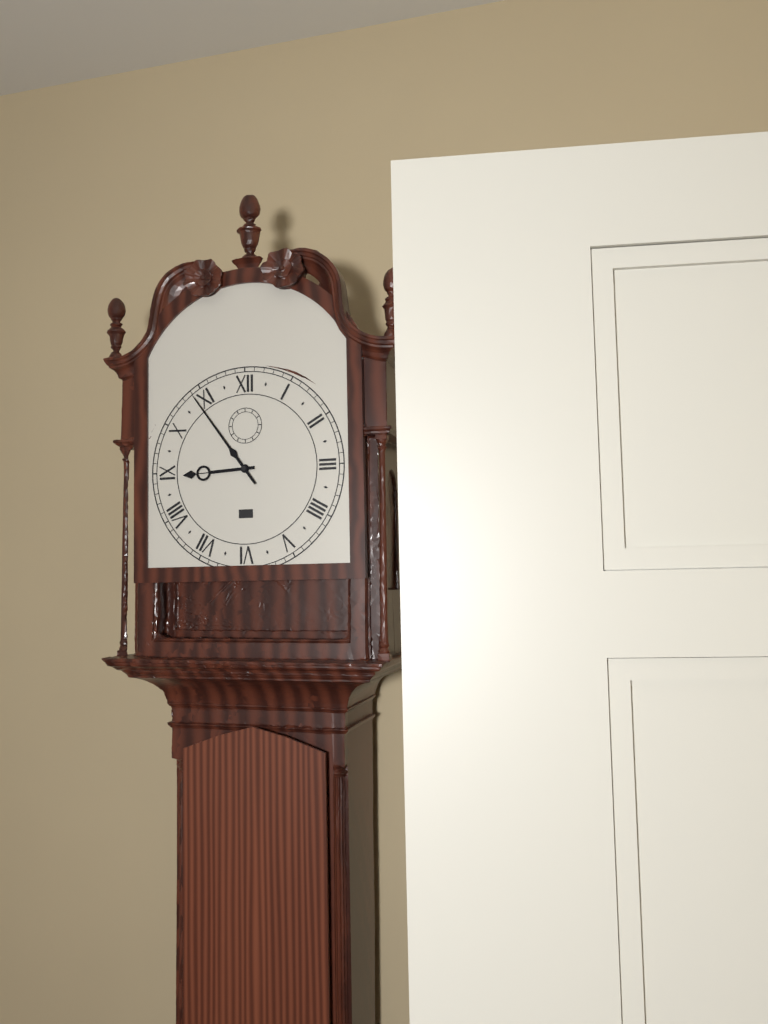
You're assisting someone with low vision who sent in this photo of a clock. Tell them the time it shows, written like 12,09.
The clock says 8,54
